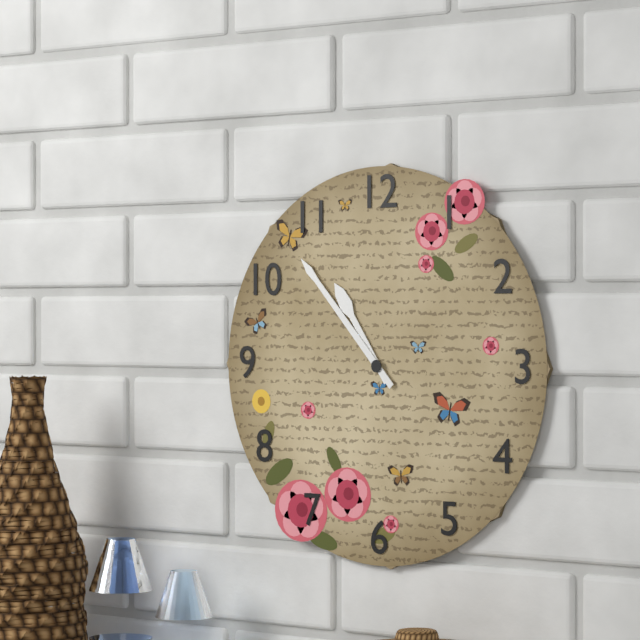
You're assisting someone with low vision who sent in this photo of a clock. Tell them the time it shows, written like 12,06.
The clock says 10,53
